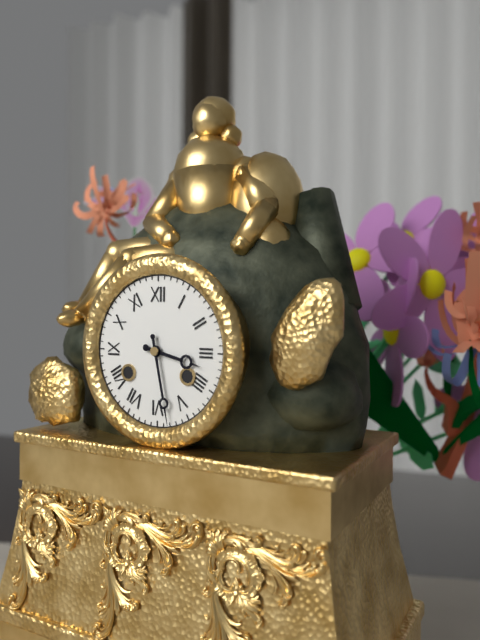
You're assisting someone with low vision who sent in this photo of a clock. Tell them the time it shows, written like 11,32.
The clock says 3,28
